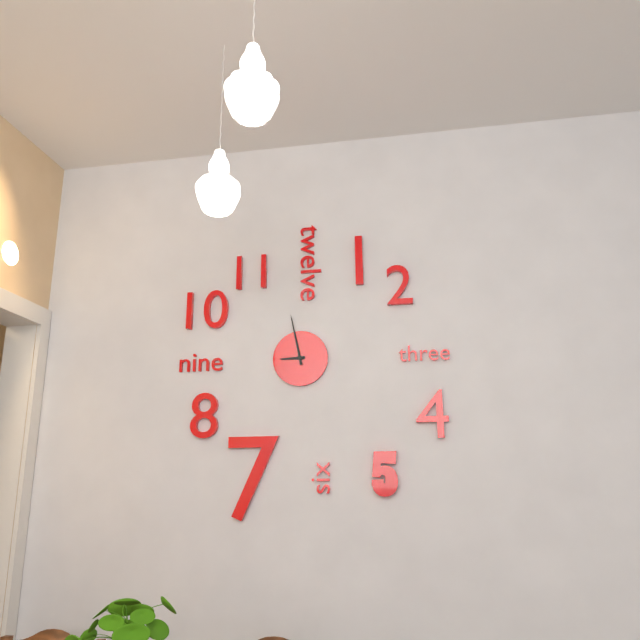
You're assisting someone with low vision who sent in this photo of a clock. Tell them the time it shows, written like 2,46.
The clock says 8,58
